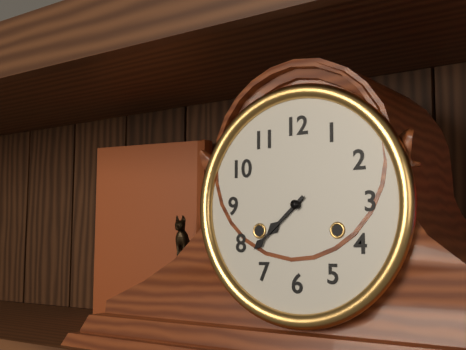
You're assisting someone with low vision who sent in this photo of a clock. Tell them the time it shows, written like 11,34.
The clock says 7,38
